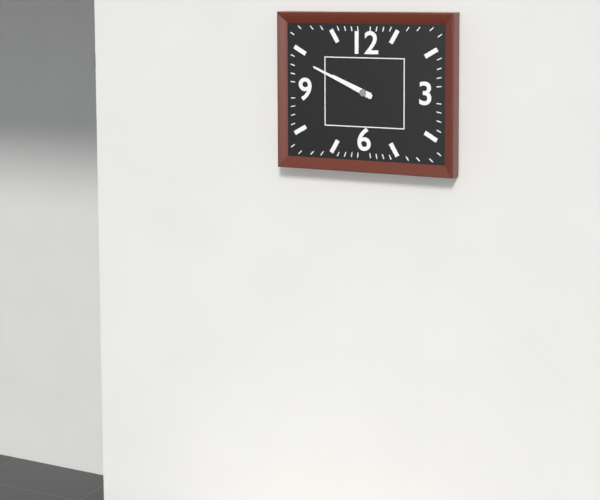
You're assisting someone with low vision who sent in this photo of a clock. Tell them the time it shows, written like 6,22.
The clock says 9,49
